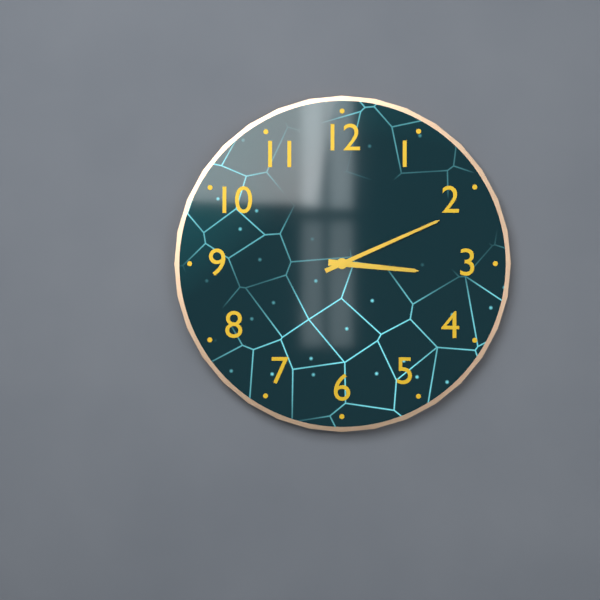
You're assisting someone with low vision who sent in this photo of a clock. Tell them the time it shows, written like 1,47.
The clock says 3,11
